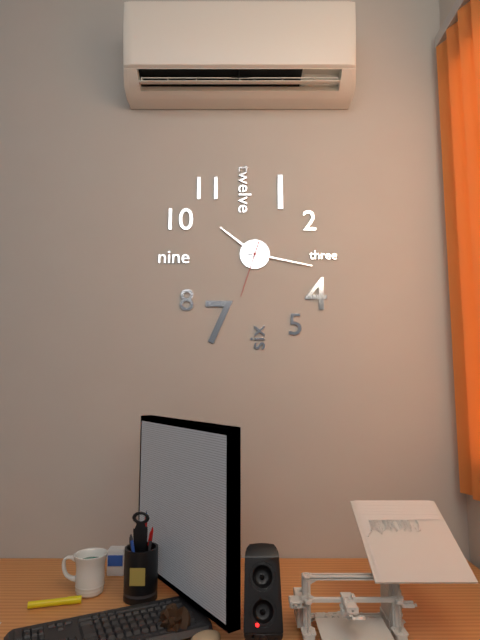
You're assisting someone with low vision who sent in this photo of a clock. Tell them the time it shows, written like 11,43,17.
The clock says 10,17,33
